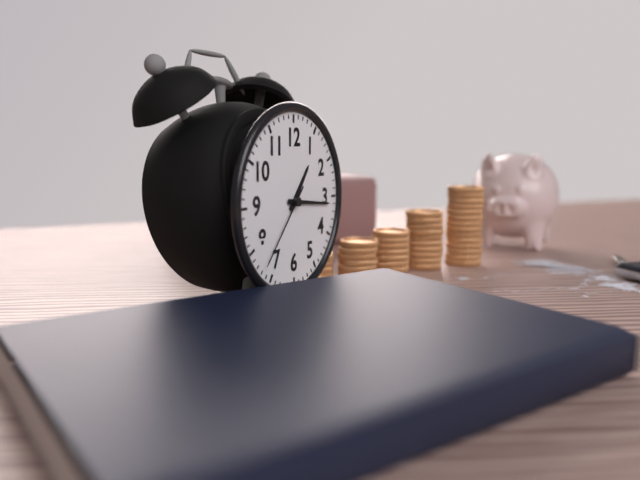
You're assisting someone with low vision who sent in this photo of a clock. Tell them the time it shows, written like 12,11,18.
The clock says 1,16,37
